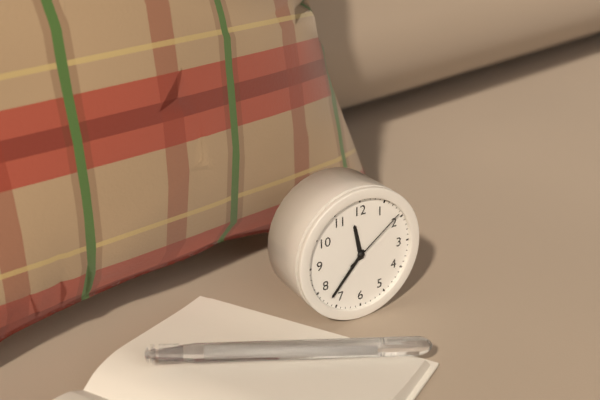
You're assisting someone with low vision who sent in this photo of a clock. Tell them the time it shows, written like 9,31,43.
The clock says 11,37,09
